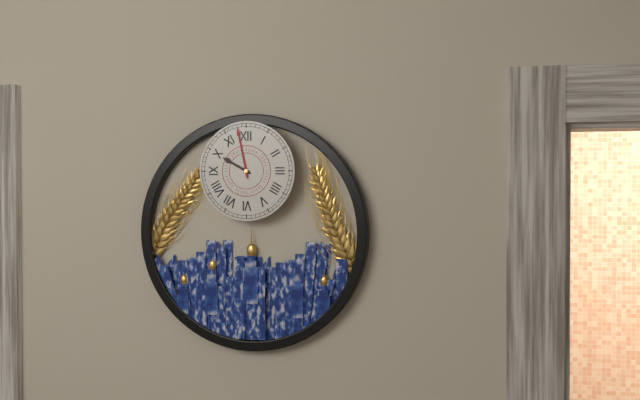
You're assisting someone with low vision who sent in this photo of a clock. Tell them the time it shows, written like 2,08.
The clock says 9,58
